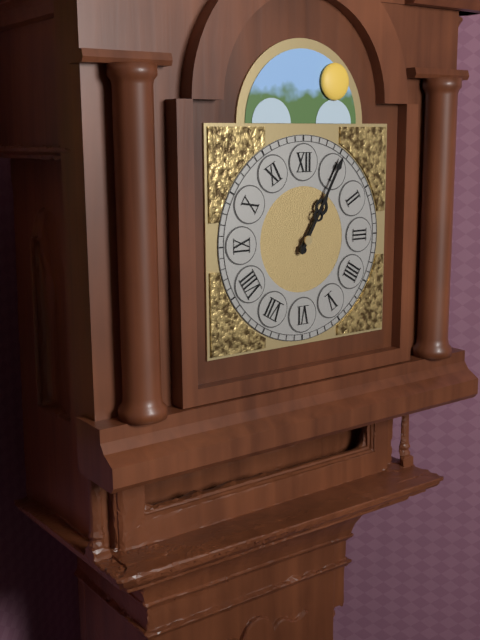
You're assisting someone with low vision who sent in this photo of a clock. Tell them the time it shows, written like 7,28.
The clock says 1,05
